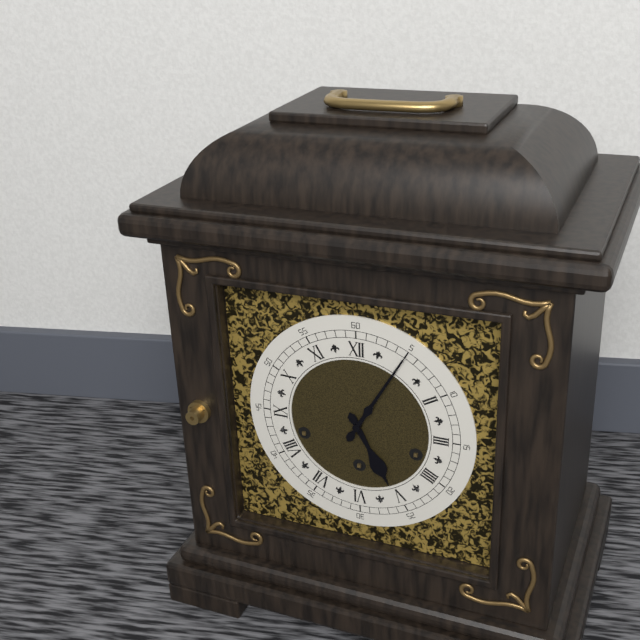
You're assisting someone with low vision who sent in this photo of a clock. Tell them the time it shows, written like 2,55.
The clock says 5,05
